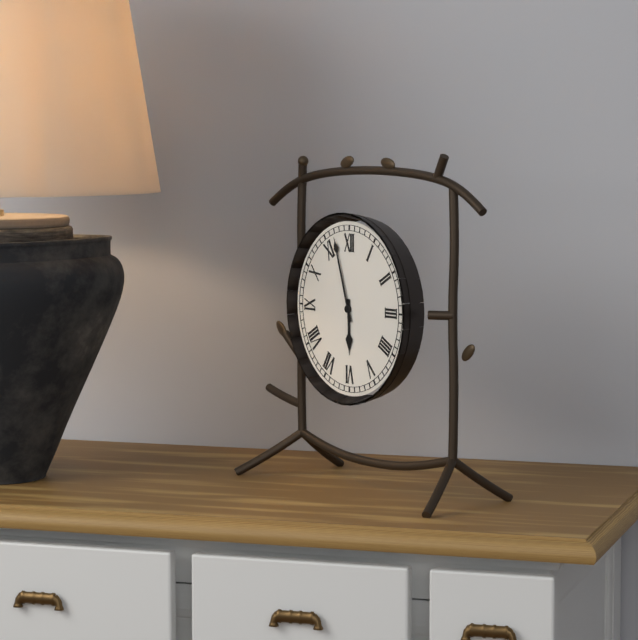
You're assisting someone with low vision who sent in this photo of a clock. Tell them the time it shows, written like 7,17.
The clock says 5,57
